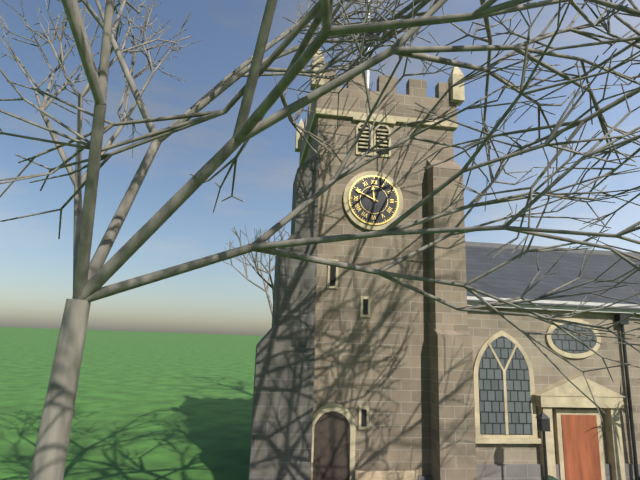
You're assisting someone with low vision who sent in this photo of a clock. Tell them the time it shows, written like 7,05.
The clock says 11,49
